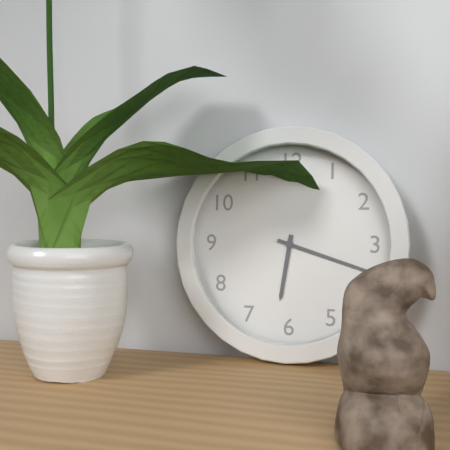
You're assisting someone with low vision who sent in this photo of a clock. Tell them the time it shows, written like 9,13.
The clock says 6,18
